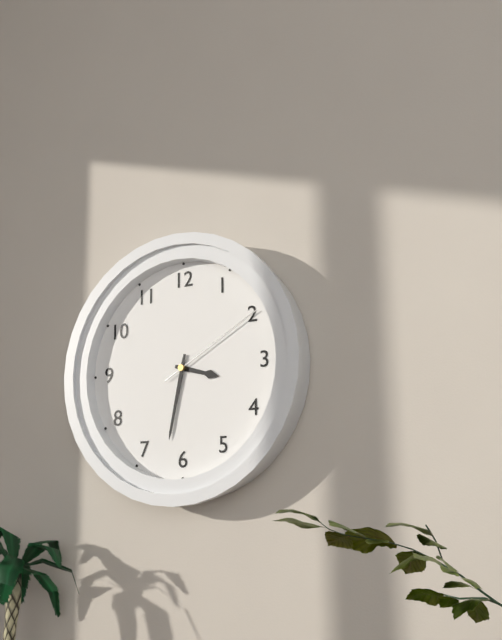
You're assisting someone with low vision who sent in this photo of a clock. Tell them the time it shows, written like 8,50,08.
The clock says 3,32,10
